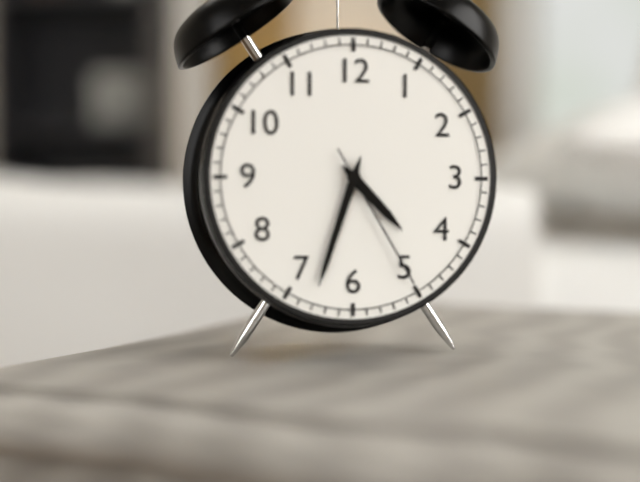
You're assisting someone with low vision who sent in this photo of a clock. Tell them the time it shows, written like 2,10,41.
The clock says 4,33,25
